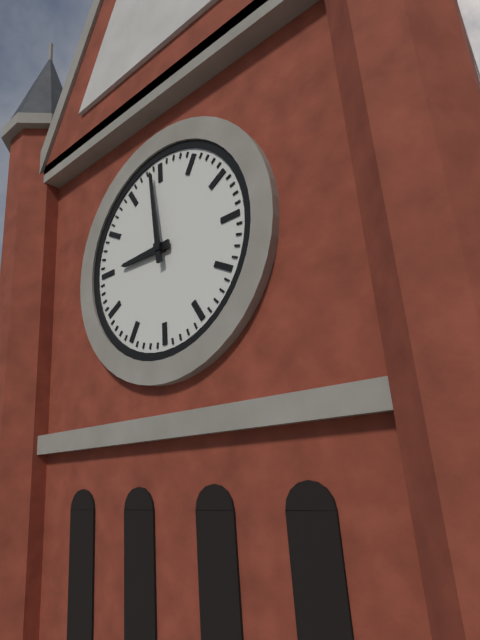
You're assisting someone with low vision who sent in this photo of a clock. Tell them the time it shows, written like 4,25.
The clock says 8,59
